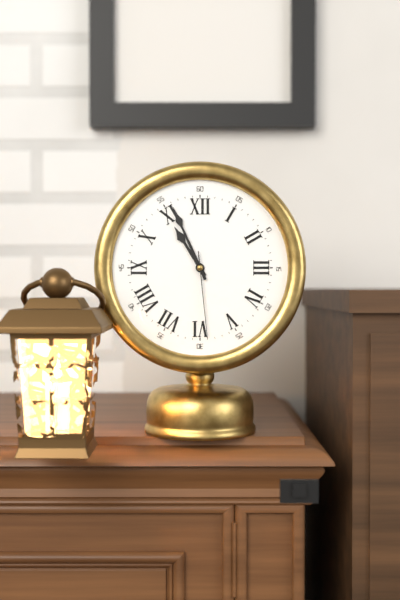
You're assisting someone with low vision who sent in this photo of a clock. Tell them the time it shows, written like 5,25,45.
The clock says 10,56,29
